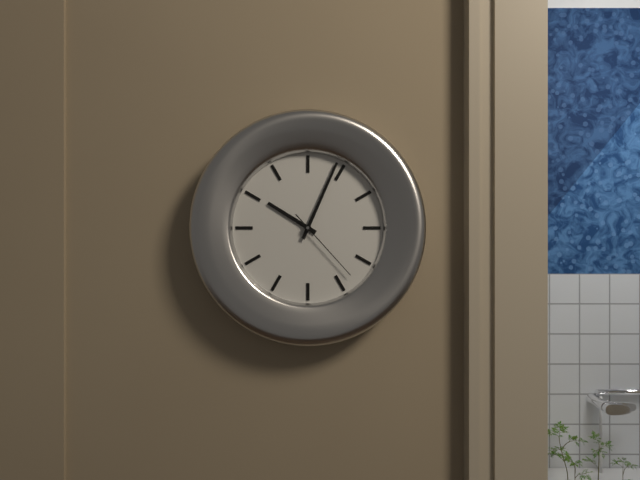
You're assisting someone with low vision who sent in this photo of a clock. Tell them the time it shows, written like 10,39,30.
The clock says 10,04,23
